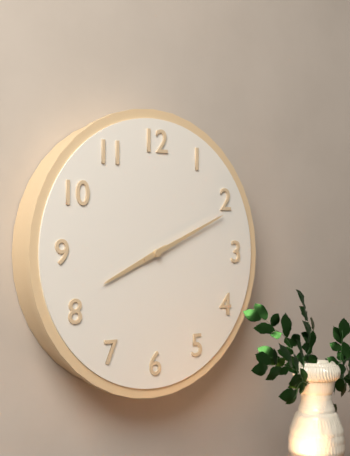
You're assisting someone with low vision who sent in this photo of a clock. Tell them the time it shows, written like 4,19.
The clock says 8,11
